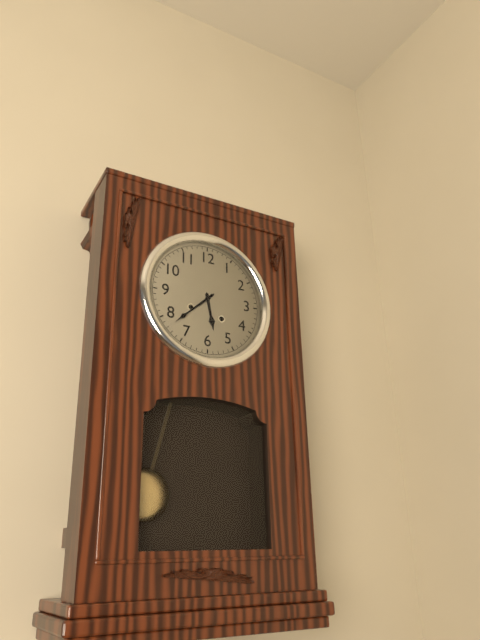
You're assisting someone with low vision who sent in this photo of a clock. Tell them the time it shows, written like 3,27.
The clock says 5,38
